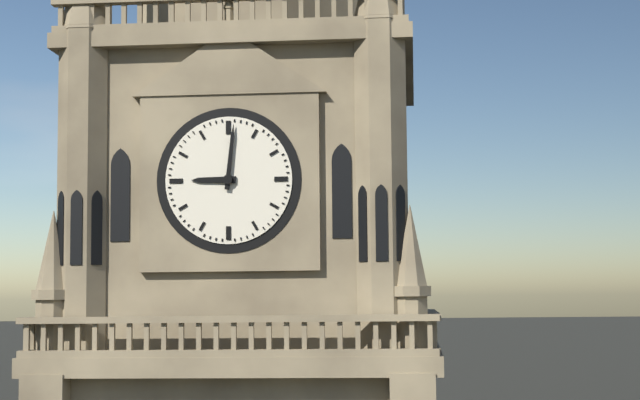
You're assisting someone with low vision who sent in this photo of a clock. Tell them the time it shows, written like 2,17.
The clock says 9,01
